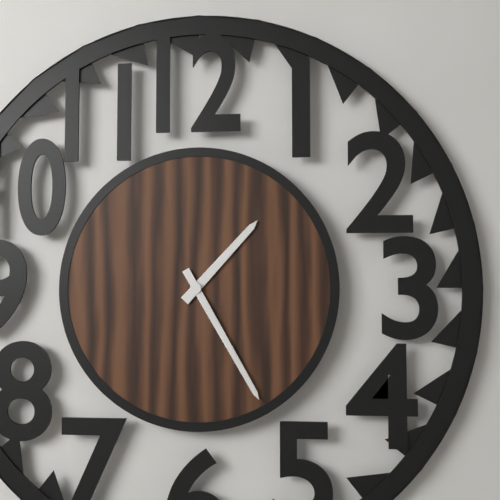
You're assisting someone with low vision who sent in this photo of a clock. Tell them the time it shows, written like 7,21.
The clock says 1,25
